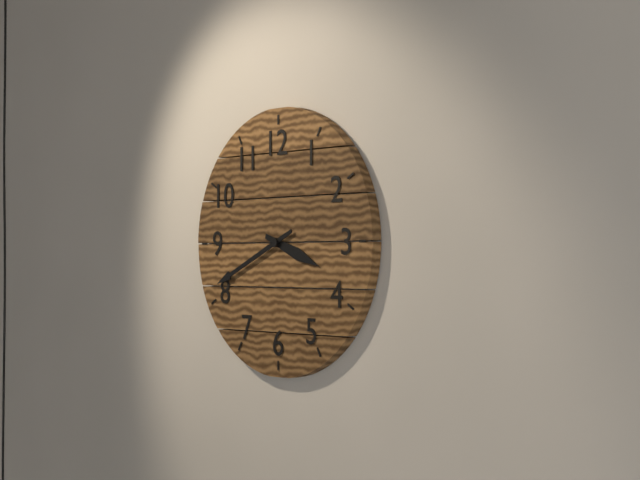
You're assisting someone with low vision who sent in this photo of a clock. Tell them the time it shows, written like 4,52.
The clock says 3,41
